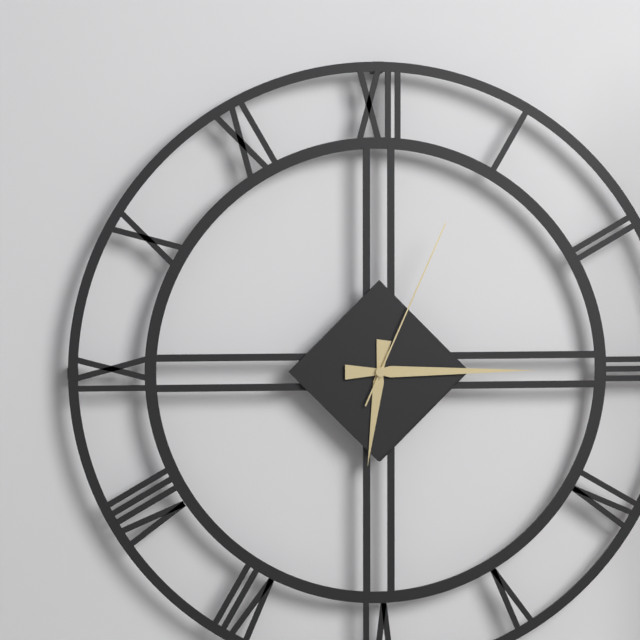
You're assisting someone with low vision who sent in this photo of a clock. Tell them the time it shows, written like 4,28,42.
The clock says 6,15,04
